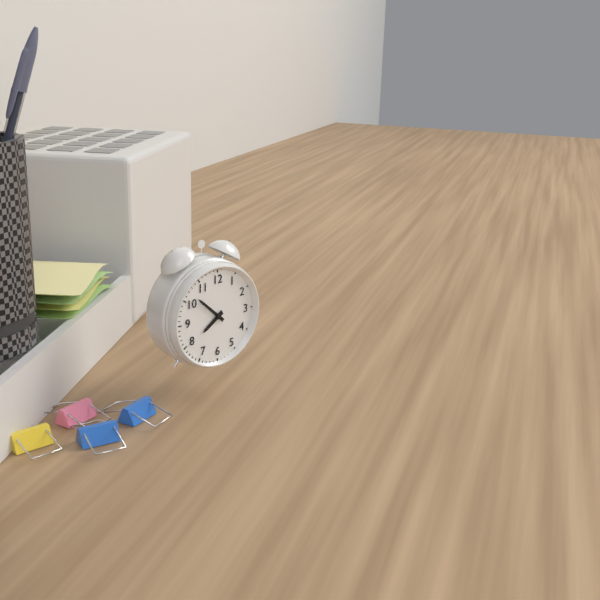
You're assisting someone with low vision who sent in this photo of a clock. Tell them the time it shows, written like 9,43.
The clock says 7,52
